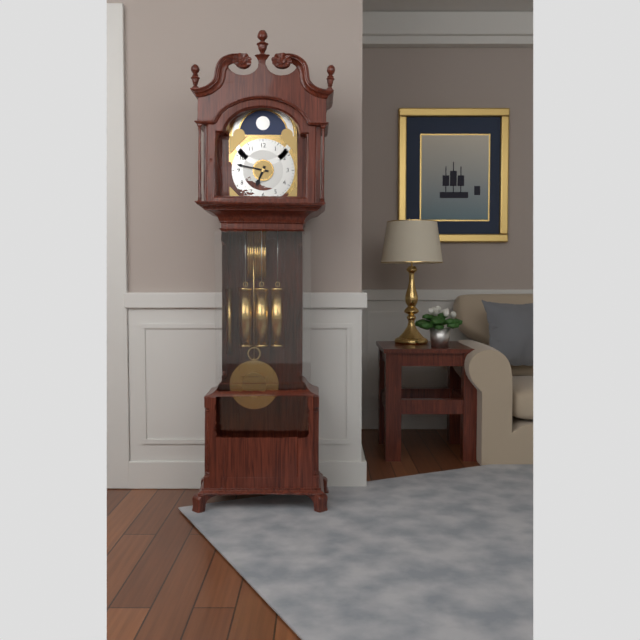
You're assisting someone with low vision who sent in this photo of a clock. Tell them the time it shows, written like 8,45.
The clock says 6,47
